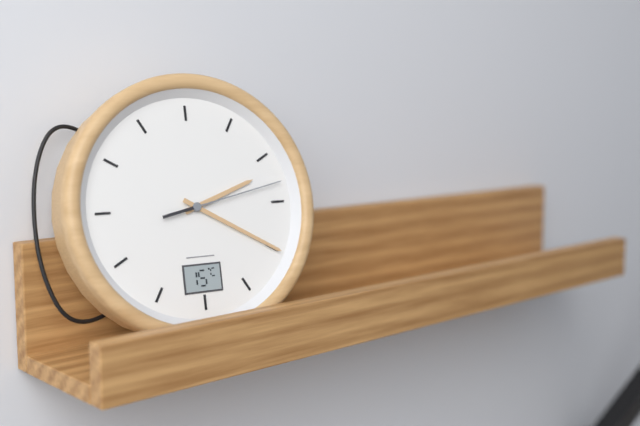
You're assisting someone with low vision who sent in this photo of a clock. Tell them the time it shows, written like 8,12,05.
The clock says 2,20,13
